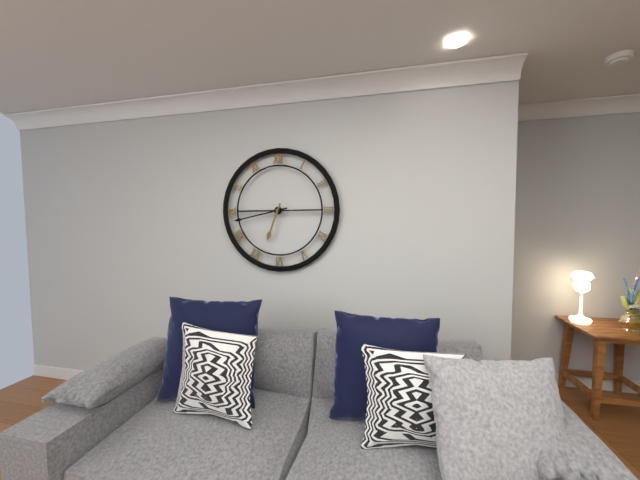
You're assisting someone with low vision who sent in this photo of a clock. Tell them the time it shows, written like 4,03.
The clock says 6,43
